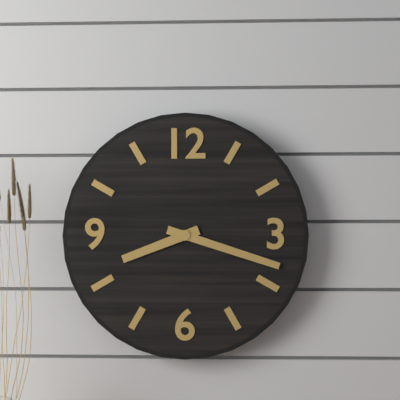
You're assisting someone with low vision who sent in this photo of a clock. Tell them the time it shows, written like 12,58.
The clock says 8,18
